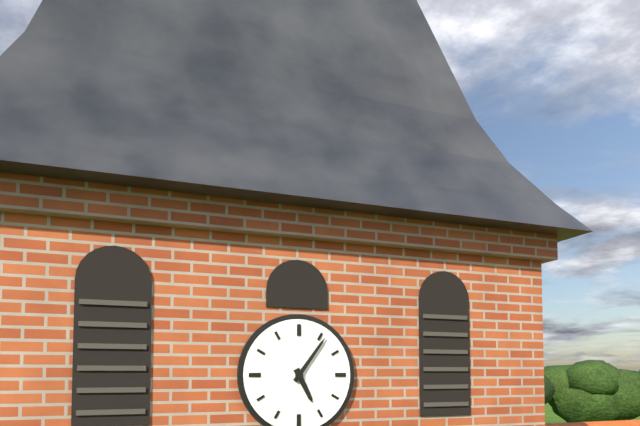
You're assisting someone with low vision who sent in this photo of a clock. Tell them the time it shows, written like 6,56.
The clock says 5,06
